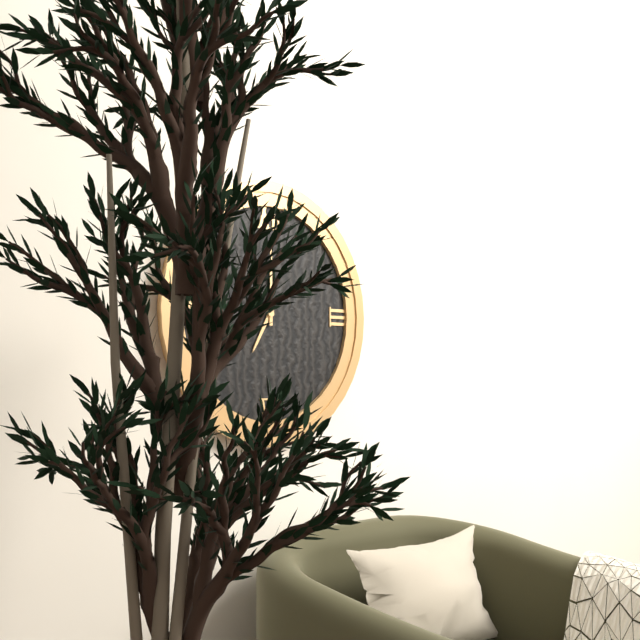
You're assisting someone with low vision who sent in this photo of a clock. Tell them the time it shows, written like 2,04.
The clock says 7,00
